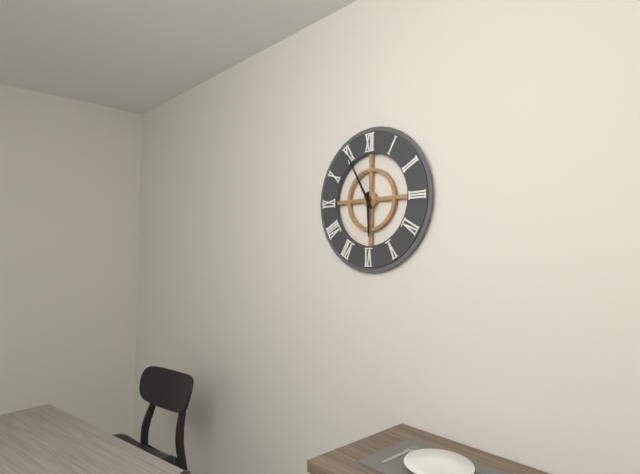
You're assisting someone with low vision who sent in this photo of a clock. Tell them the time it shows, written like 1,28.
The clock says 5,55
